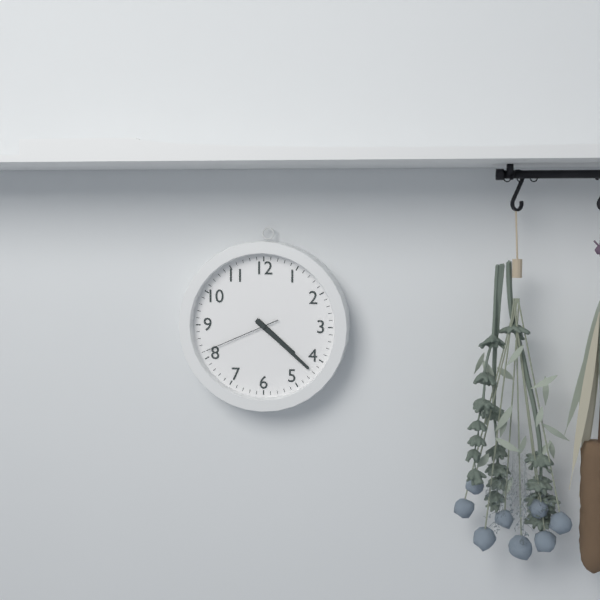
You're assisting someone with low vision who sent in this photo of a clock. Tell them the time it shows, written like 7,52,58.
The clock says 4,22,41
